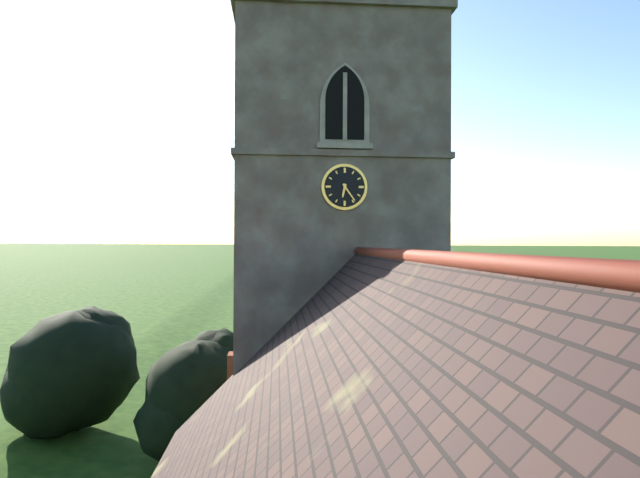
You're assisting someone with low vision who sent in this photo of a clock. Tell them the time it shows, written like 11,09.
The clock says 6,24
